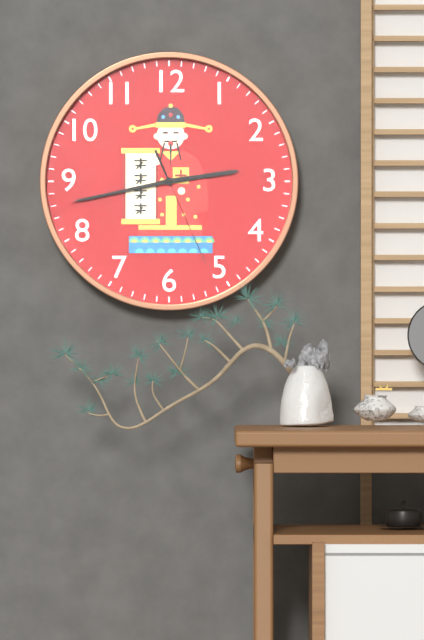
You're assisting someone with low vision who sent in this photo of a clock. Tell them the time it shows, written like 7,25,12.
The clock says 2,43,26
